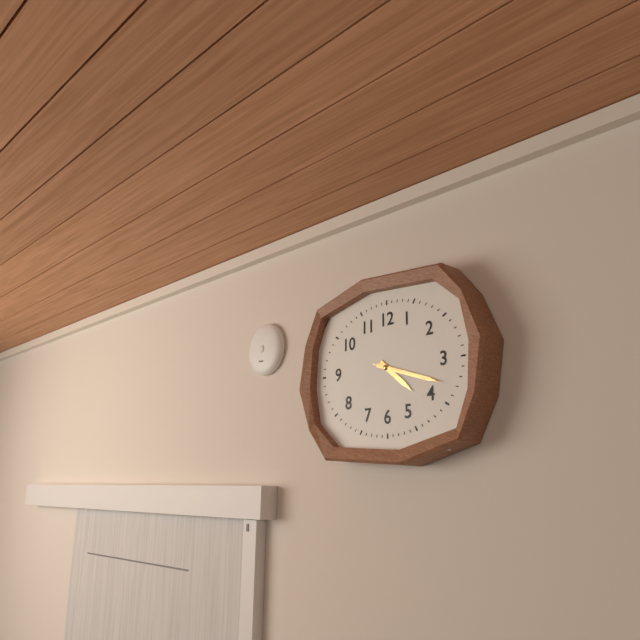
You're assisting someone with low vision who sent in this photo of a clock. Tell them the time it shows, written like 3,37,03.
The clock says 4,18,18
